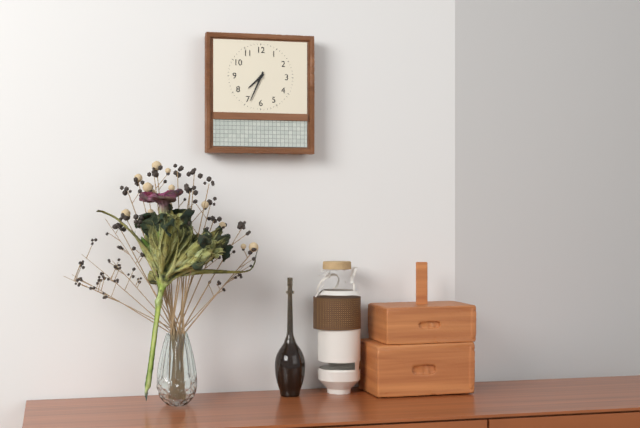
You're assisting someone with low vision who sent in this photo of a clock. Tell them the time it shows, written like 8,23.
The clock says 7,34
